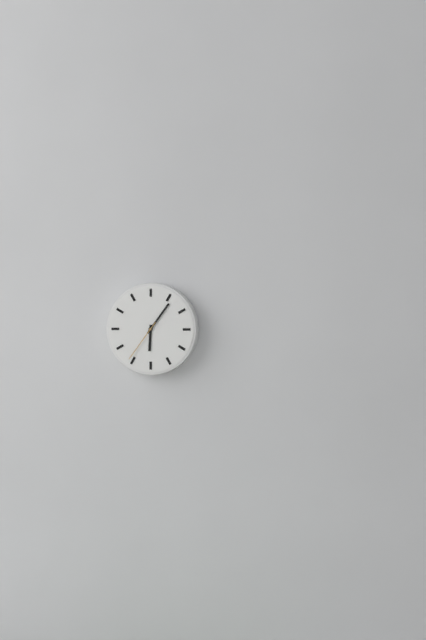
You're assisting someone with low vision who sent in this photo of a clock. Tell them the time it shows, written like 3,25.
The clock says 6,06
